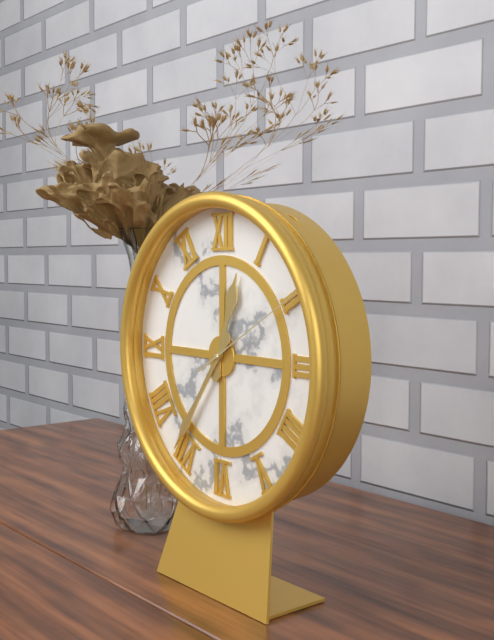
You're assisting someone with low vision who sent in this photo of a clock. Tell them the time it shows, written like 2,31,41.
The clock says 12,36,10
